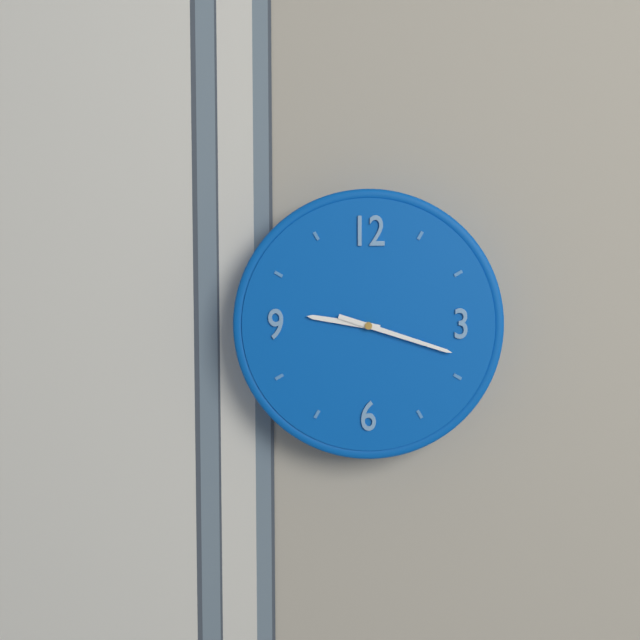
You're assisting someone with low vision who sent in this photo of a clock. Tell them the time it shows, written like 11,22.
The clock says 9,18
